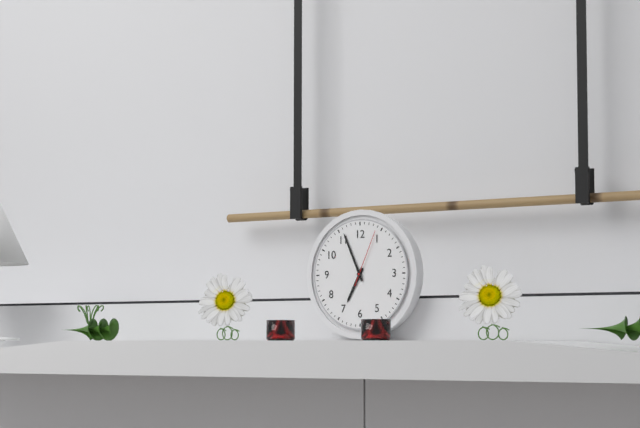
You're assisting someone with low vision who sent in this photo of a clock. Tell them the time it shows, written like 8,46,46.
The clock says 6,56,04
